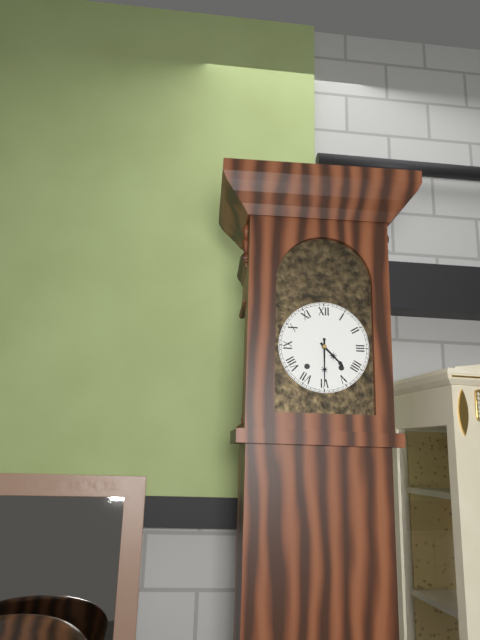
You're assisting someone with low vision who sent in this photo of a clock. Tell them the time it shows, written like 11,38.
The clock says 4,30
